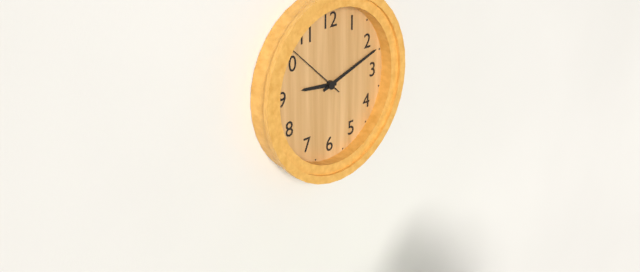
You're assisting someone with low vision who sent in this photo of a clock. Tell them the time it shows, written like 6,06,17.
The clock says 9,12,52
